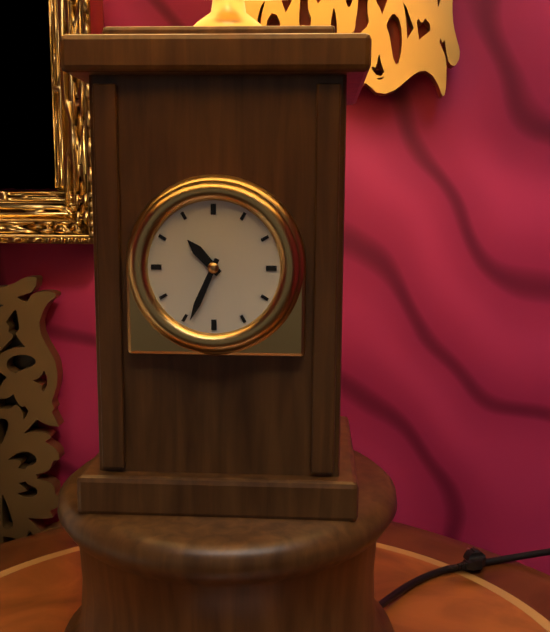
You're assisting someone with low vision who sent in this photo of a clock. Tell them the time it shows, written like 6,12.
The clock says 10,34
